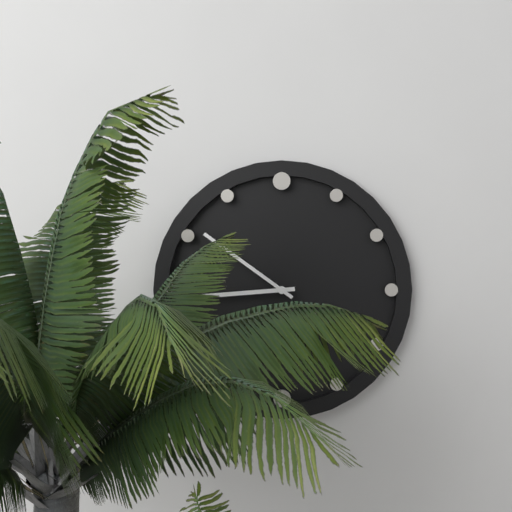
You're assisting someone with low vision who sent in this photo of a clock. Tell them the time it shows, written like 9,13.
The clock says 8,51
